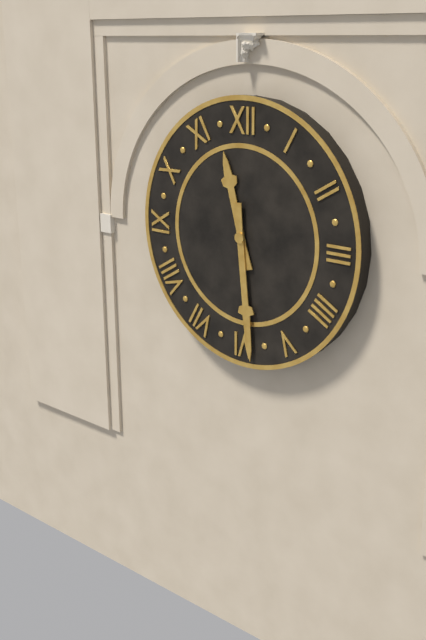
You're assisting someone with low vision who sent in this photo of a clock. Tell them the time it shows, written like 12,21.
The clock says 11,29
